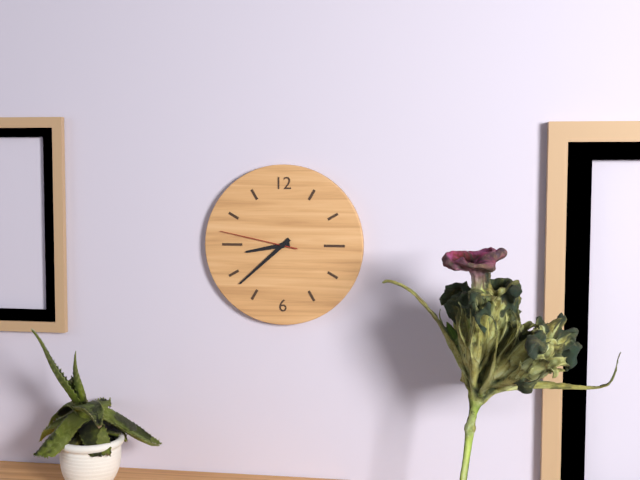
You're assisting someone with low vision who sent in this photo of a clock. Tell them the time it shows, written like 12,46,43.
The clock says 8,38,47
